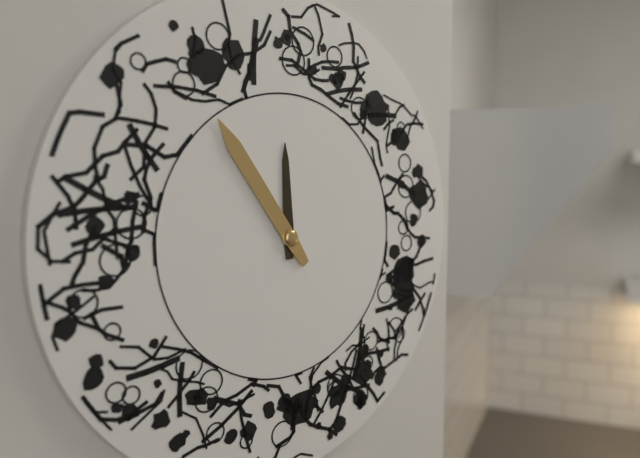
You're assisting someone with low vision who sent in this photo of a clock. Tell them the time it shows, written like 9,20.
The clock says 11,54
